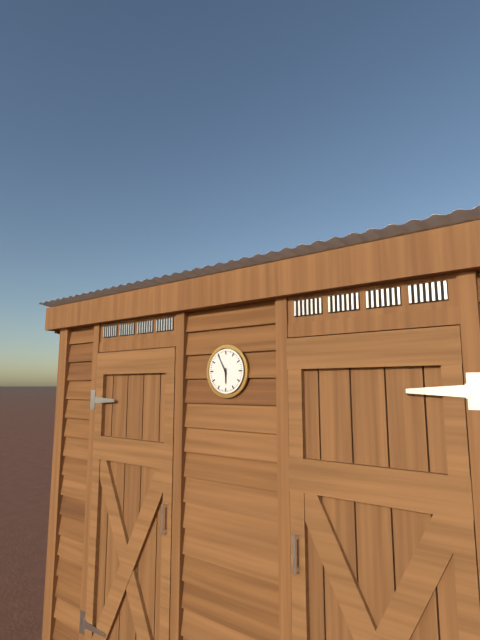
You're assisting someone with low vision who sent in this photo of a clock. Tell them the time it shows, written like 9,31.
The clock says 5,55
